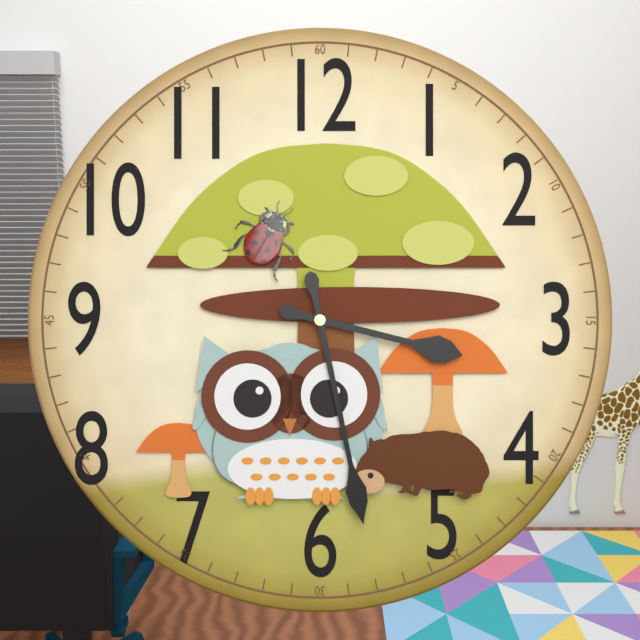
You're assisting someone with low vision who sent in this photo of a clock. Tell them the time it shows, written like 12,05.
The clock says 3,28
